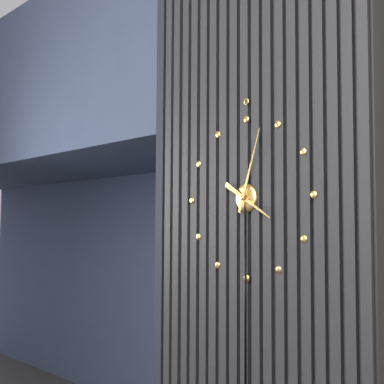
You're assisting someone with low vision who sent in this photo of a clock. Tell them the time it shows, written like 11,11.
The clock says 4,03
